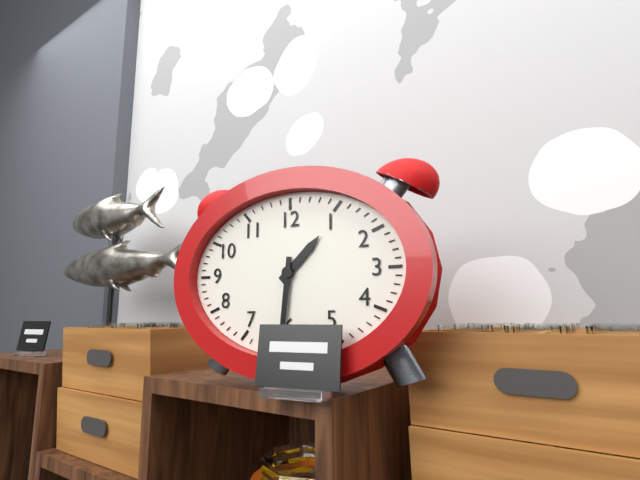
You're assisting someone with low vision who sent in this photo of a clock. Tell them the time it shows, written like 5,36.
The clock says 1,31
